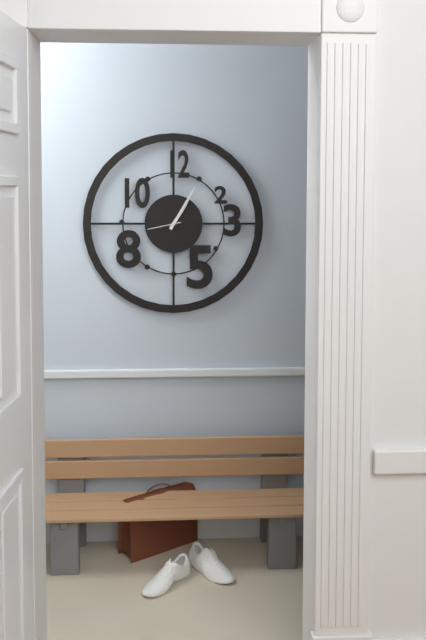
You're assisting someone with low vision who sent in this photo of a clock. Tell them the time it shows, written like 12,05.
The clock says 1,05
